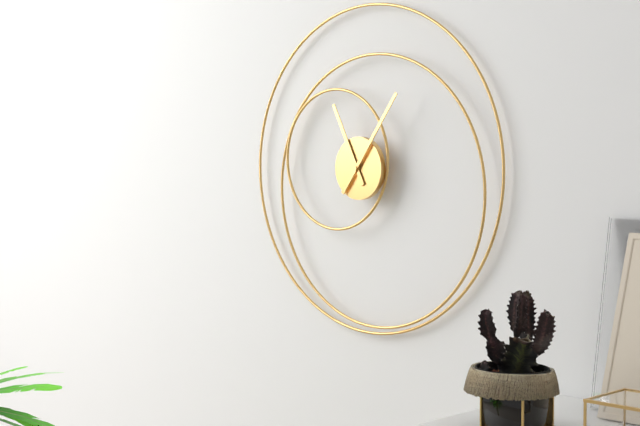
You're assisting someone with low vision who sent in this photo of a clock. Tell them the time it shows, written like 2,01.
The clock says 11,06
